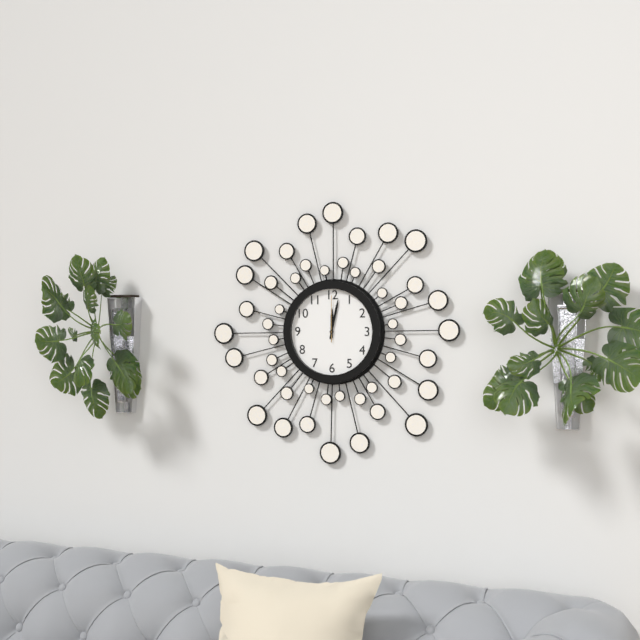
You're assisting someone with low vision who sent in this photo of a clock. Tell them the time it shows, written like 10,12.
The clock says 12,02
